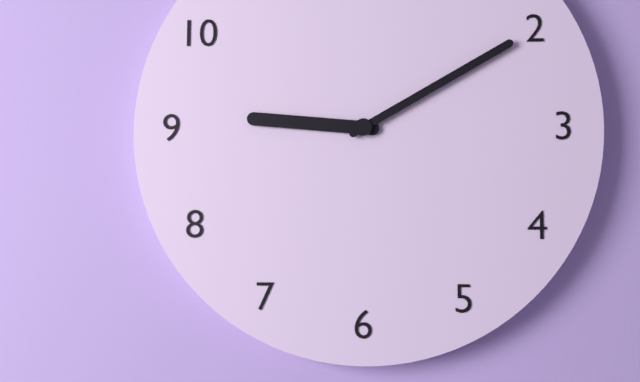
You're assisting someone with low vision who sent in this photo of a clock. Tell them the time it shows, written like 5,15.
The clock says 9,10
